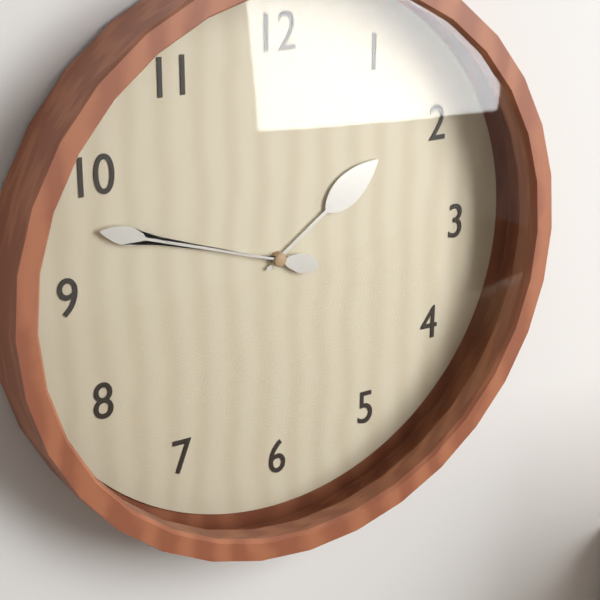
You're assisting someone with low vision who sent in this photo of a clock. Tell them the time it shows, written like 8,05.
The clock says 1,48
